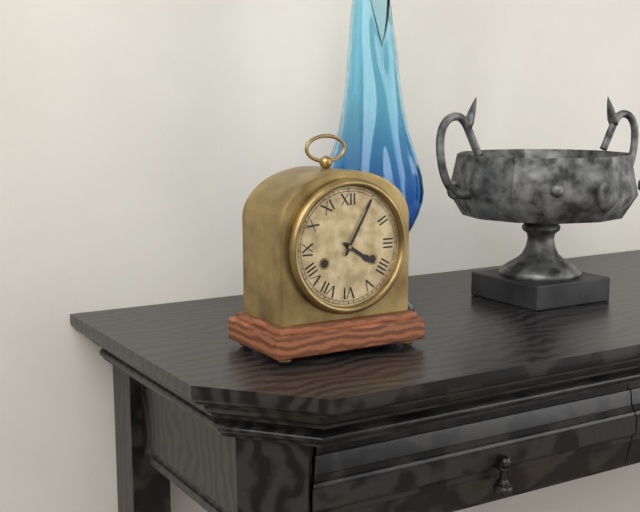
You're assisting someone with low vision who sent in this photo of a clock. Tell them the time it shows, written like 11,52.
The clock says 4,05
